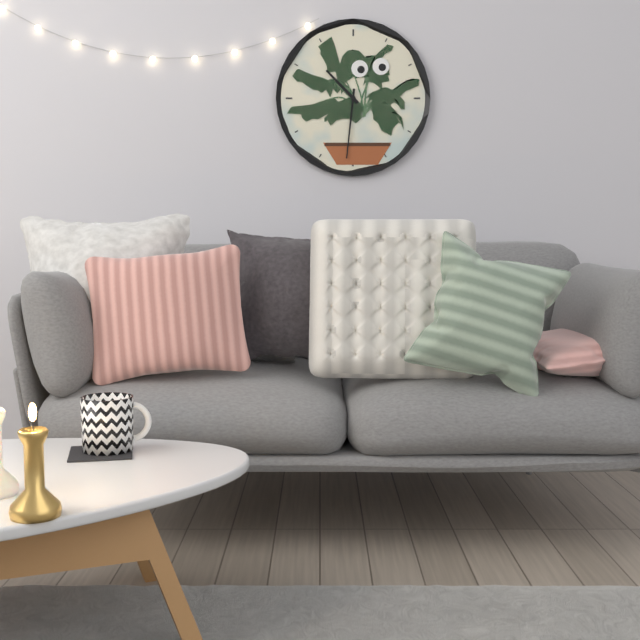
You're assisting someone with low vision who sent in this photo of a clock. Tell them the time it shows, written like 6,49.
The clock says 10,31
